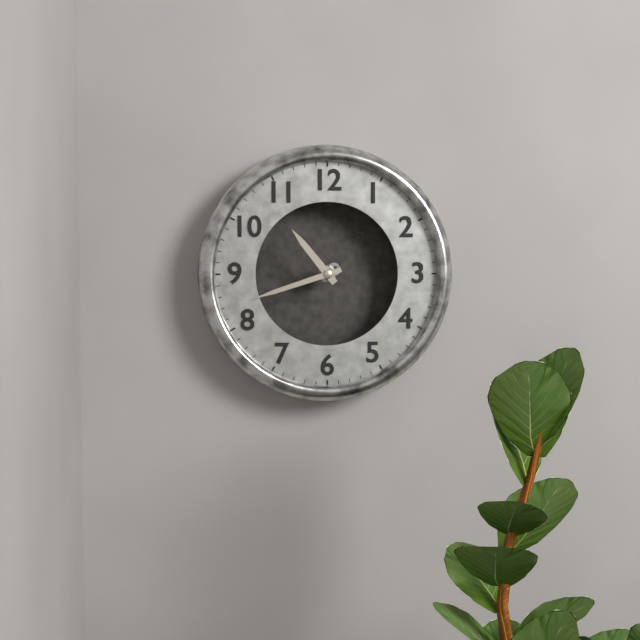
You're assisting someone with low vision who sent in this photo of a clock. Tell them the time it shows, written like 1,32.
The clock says 10,42
